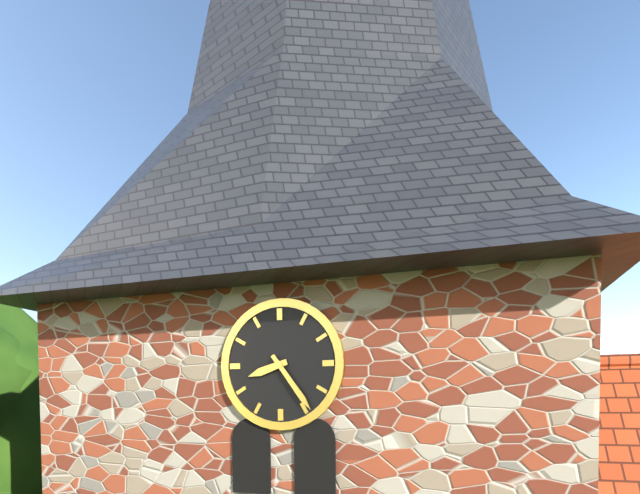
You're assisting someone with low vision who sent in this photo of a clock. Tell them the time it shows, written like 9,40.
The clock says 8,24
